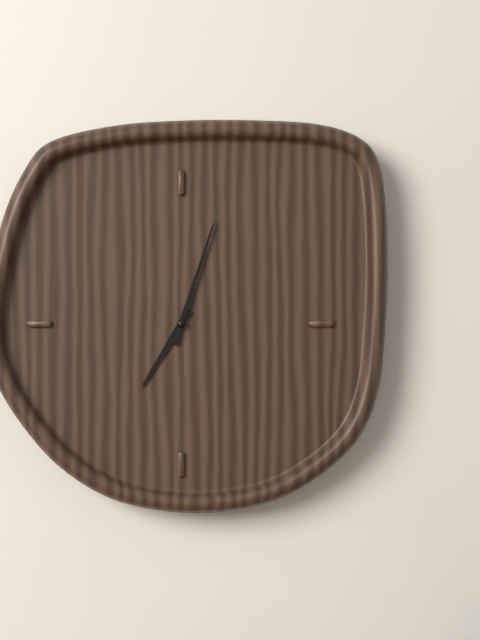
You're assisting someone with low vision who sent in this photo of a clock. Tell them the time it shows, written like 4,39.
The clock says 7,03
